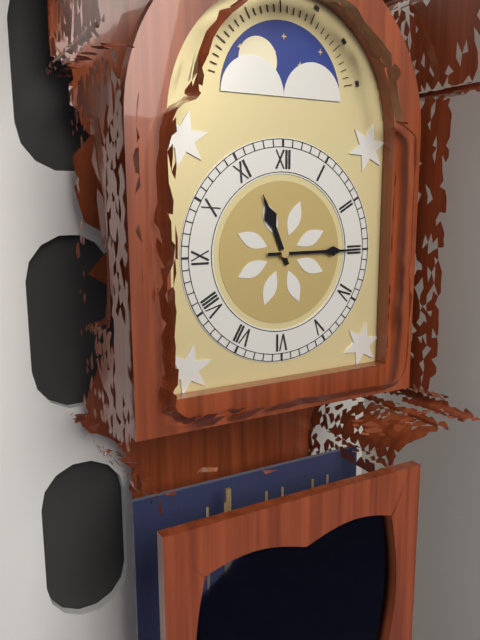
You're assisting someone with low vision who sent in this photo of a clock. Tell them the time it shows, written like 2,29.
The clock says 11,15
